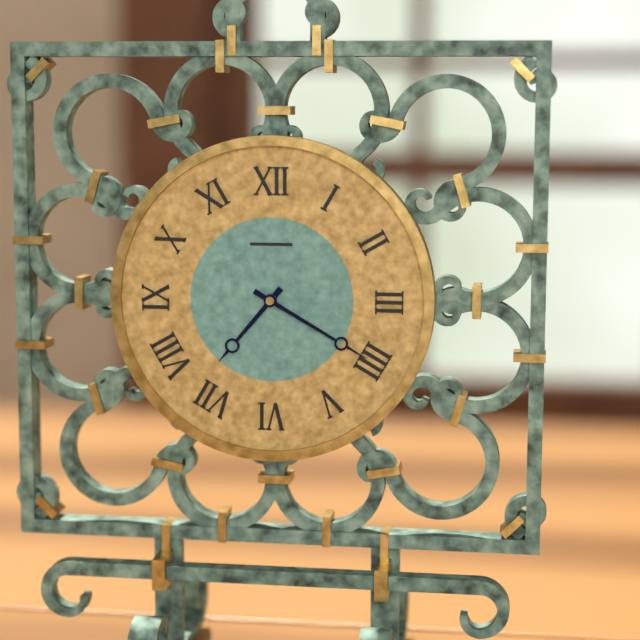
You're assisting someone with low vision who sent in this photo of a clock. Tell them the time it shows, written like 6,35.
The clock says 7,20
